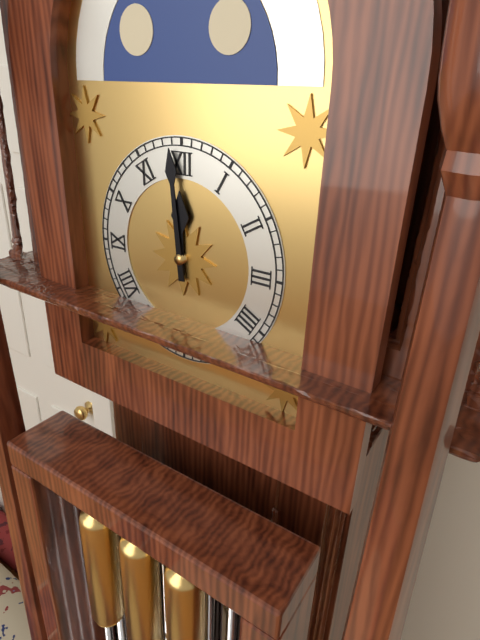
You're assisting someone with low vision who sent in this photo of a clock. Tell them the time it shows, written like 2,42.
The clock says 11,59
